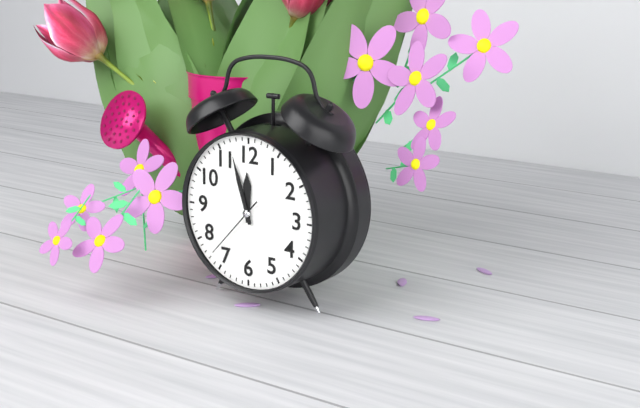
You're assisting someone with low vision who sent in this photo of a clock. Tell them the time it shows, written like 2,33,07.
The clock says 11,57,37
